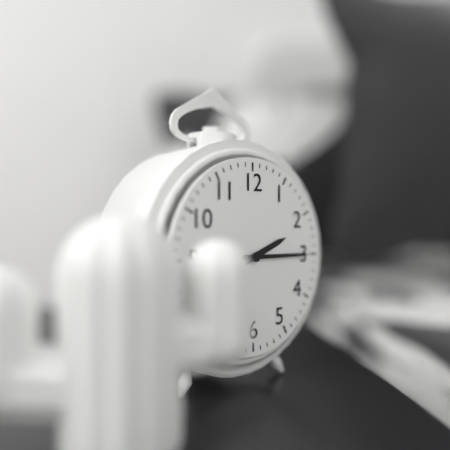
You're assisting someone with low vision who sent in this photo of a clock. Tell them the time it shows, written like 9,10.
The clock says 2,15
